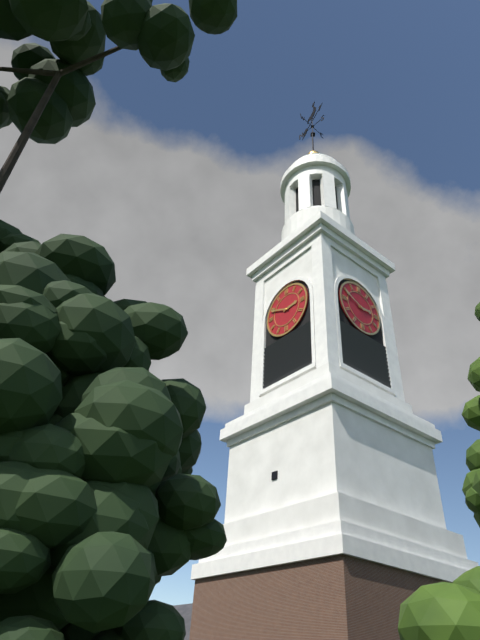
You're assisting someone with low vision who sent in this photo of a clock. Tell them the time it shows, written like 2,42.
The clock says 2,49
